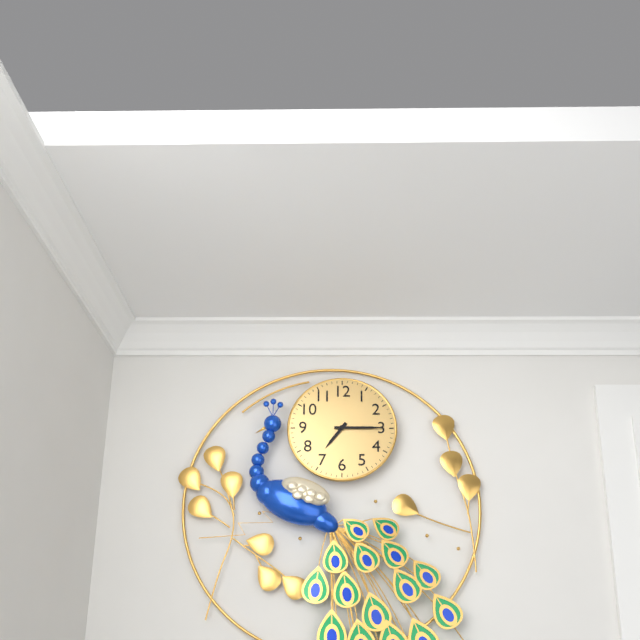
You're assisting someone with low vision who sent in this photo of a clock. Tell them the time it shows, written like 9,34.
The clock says 7,15
